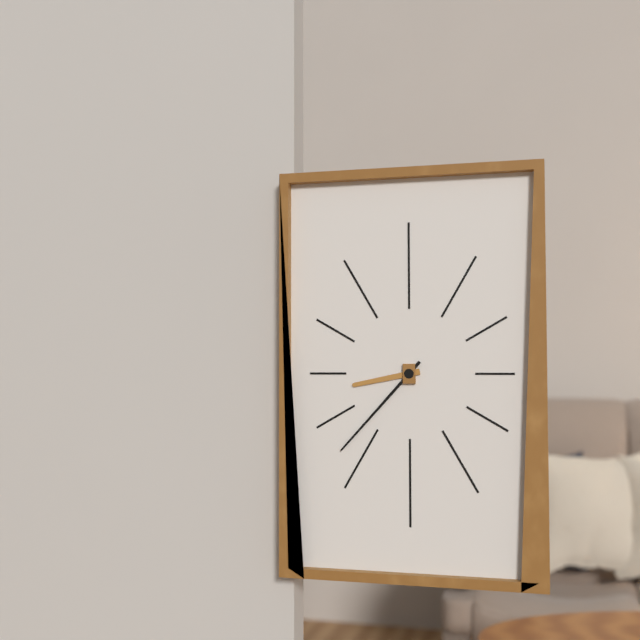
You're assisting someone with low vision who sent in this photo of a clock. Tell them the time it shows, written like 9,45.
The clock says 8,37
